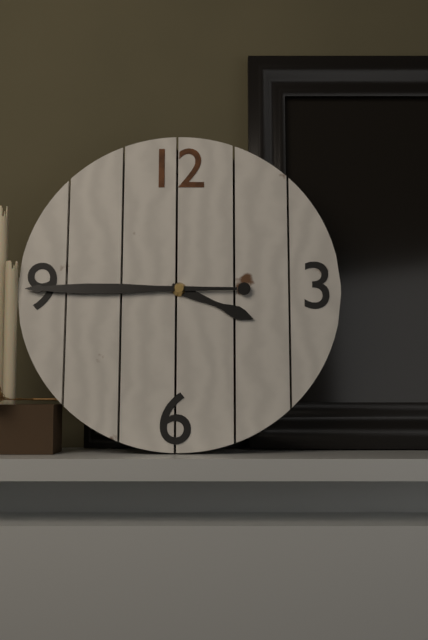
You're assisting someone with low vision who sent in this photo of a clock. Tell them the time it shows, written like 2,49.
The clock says 3,45
